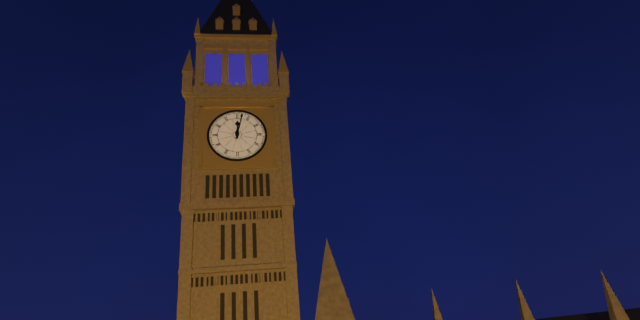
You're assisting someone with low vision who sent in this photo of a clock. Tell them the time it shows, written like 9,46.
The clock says 12,02
